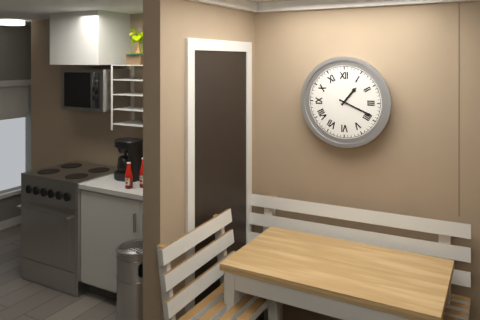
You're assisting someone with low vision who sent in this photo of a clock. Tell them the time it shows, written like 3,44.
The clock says 1,19
